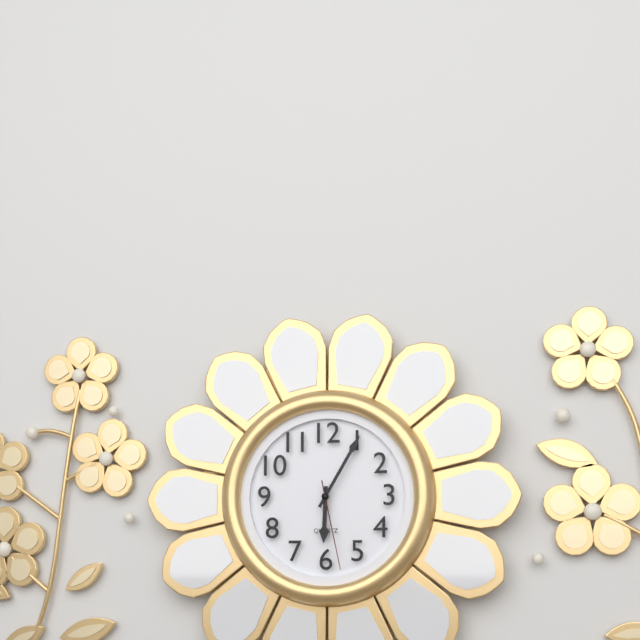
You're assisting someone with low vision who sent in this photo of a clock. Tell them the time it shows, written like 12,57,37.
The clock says 6,05,28
